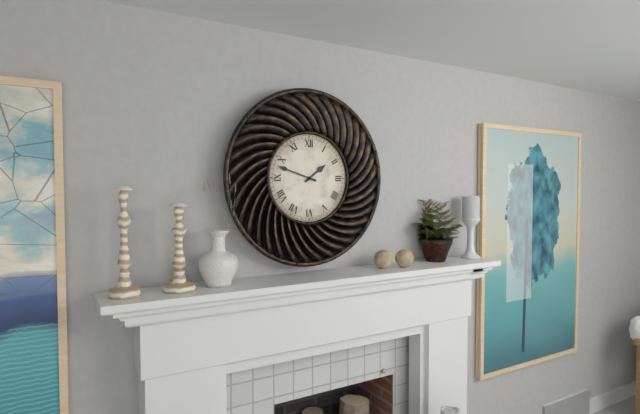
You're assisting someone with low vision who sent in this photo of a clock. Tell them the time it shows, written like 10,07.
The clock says 1,48
